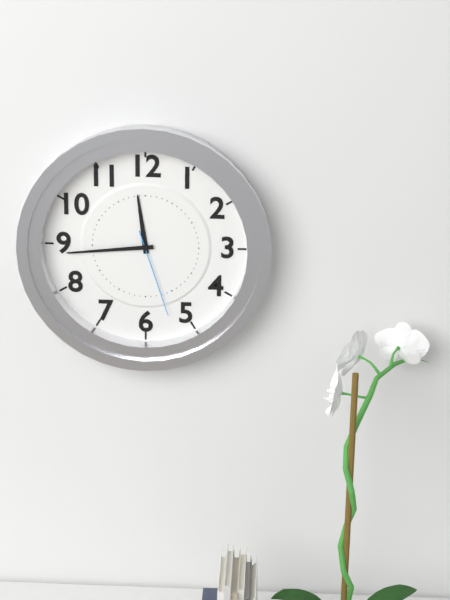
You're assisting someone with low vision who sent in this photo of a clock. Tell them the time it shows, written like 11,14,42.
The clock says 11,44,27
